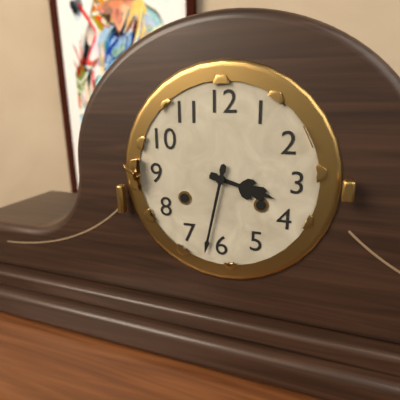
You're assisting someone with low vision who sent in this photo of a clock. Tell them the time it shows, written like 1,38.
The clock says 3,32
